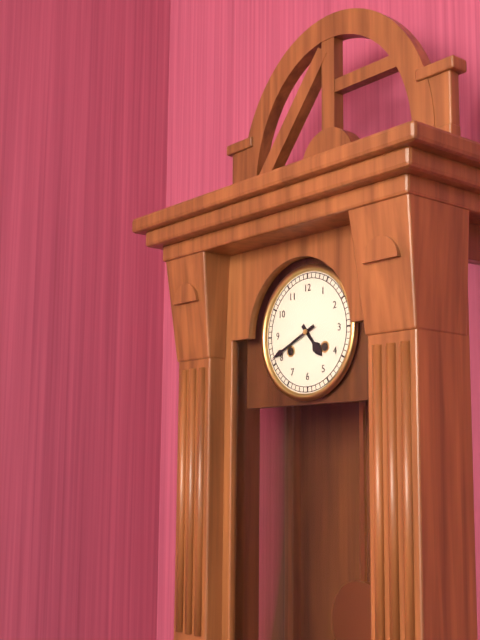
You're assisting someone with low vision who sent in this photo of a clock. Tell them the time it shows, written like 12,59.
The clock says 4,41
